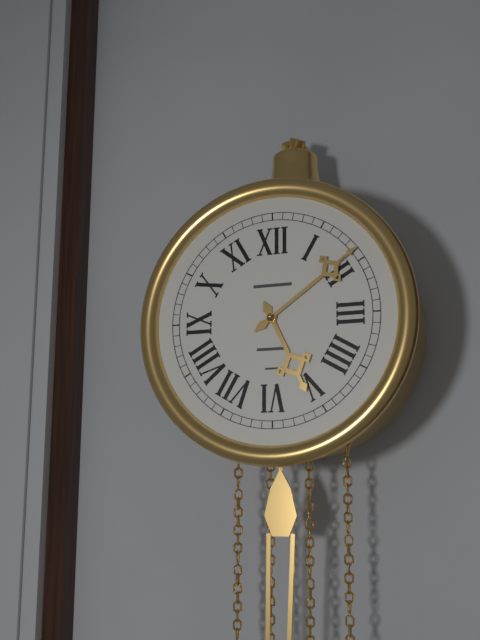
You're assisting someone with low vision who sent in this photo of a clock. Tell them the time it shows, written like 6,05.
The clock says 5,09
